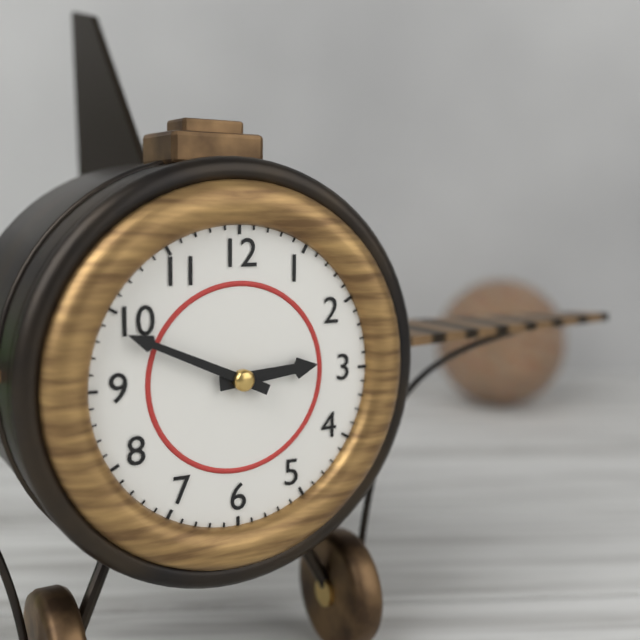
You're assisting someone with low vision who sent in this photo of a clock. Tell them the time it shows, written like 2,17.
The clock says 2,49
